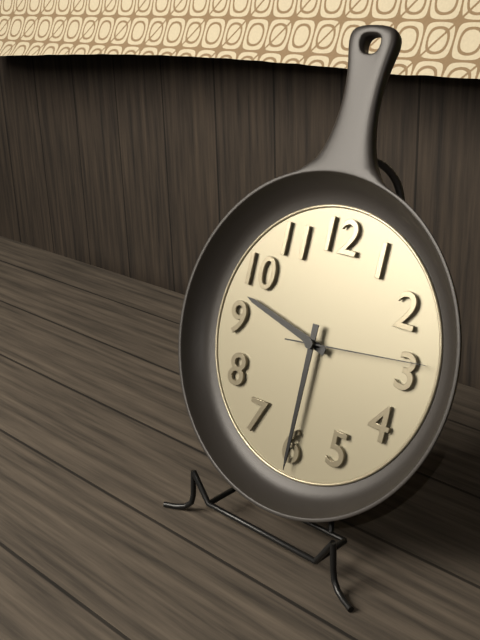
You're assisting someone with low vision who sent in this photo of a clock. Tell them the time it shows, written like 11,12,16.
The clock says 9,30,14
